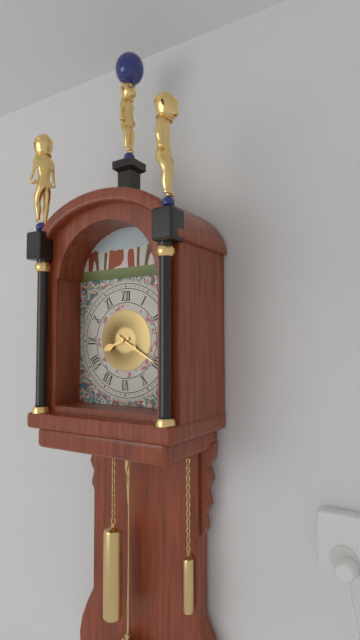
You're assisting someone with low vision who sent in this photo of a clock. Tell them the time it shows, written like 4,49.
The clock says 8,20
